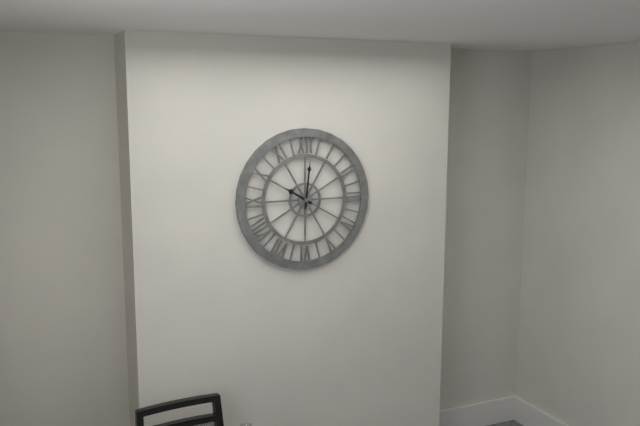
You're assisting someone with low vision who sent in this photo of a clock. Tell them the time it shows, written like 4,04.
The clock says 10,01
